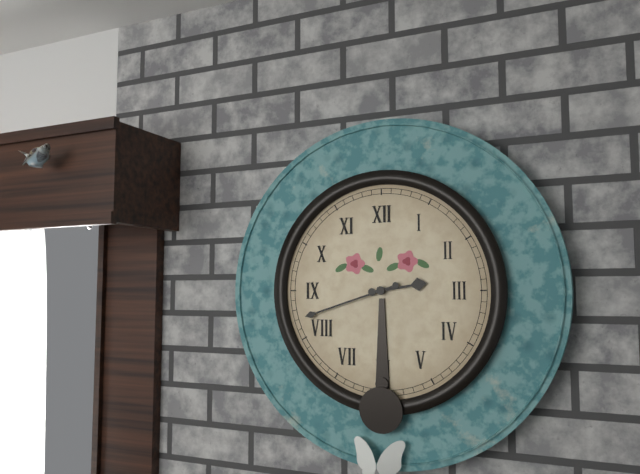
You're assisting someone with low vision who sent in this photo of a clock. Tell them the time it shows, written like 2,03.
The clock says 2,42
